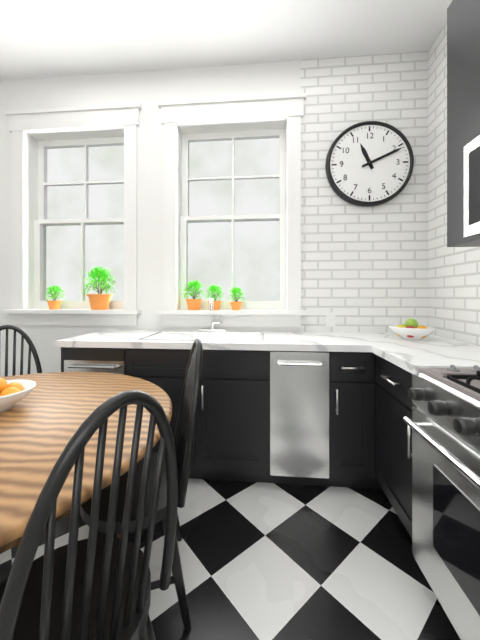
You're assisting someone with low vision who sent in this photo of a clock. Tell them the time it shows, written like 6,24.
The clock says 11,11
